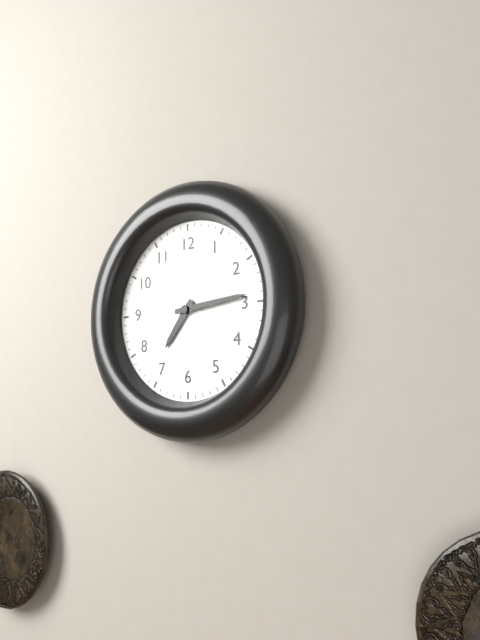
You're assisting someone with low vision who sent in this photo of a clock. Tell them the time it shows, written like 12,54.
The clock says 7,14
